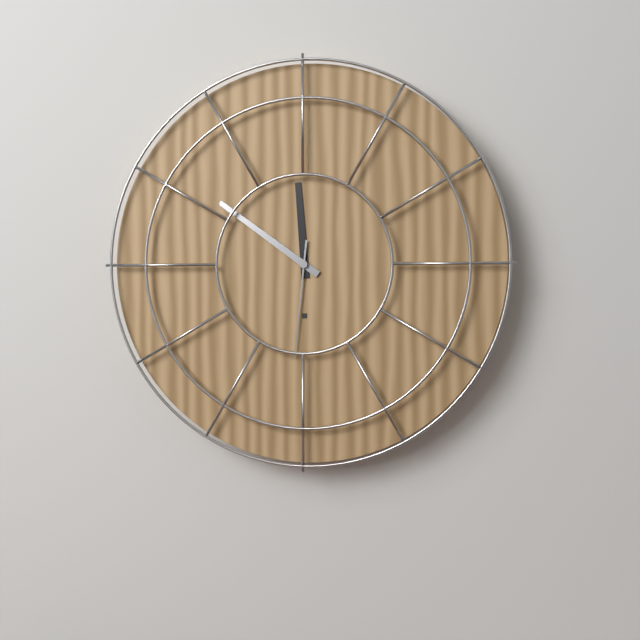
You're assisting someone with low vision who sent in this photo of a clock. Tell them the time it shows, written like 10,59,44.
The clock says 11,51,31
